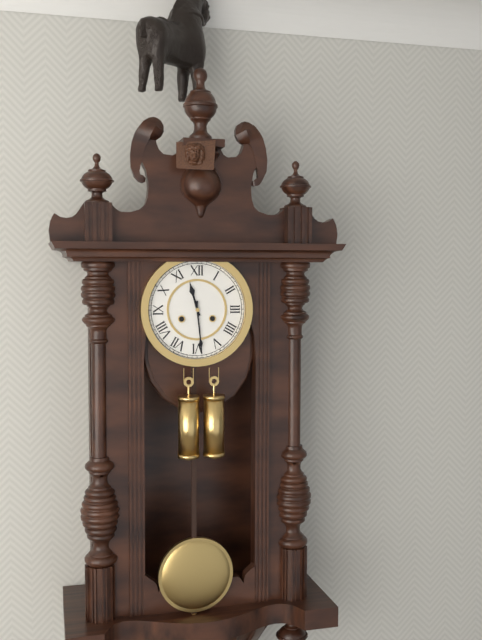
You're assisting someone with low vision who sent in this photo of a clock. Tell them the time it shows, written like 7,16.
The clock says 11,29
